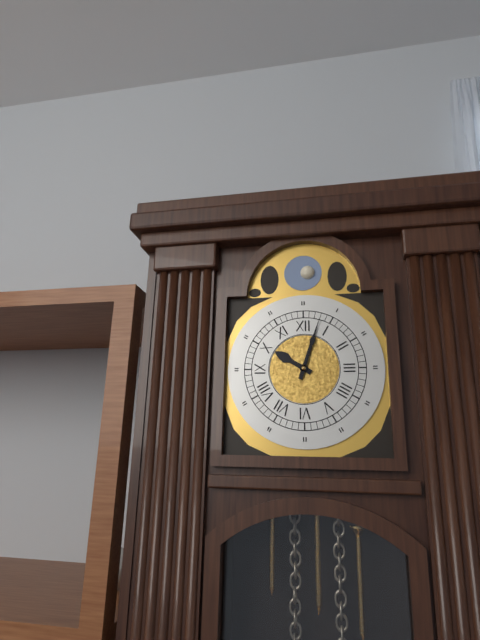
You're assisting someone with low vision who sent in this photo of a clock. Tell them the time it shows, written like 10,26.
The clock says 10,03
